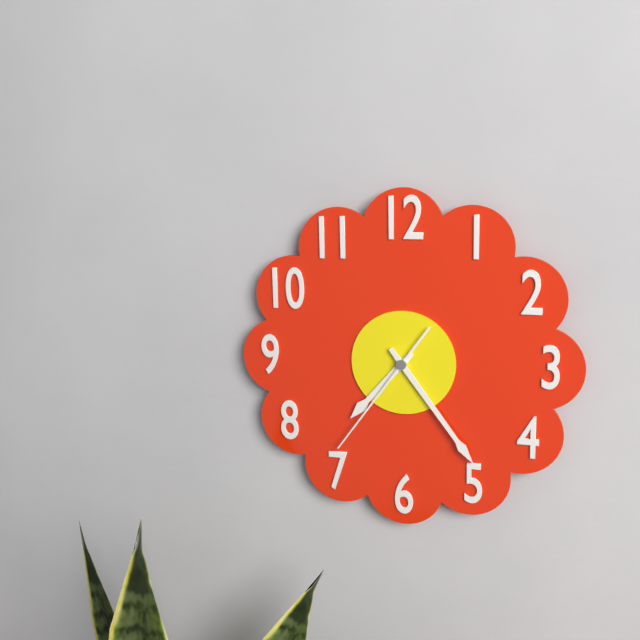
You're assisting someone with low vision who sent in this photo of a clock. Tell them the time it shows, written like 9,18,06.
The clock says 7,24,36
